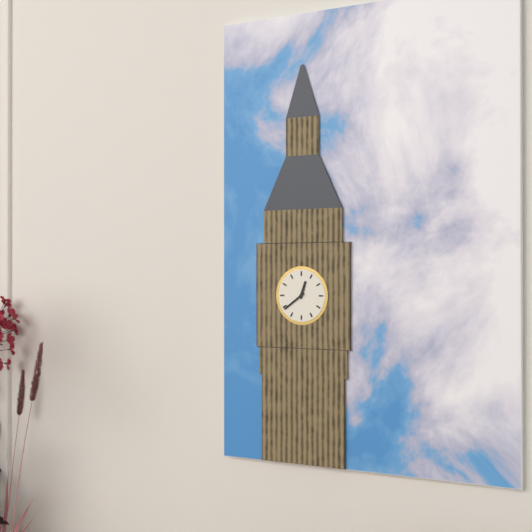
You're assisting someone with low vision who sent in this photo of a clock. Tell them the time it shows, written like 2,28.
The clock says 12,39
